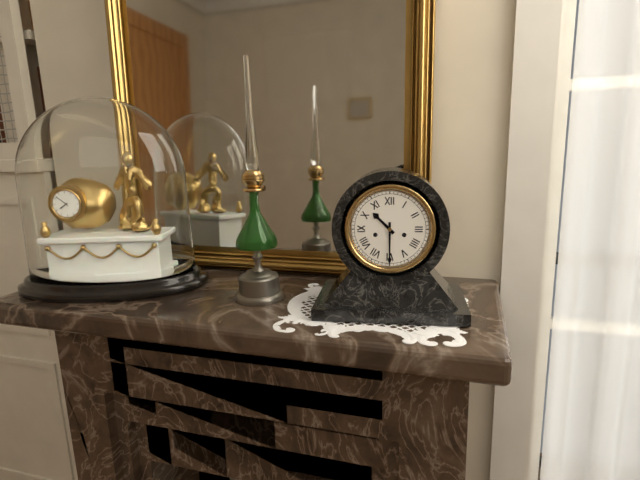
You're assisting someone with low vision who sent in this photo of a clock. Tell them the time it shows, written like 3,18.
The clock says 10,30
